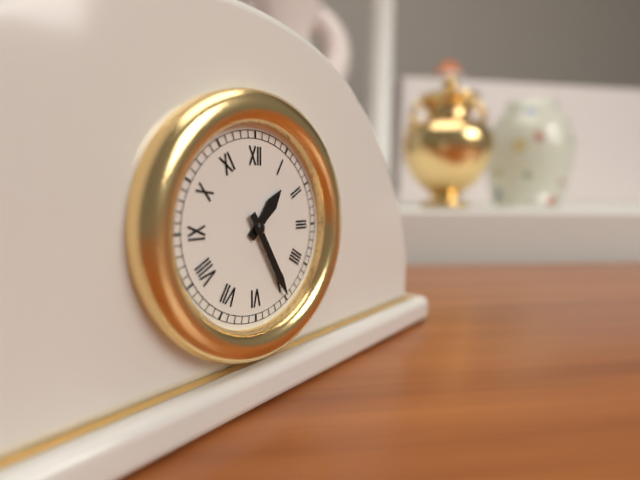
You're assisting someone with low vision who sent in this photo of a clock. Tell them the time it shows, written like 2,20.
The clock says 1,25
